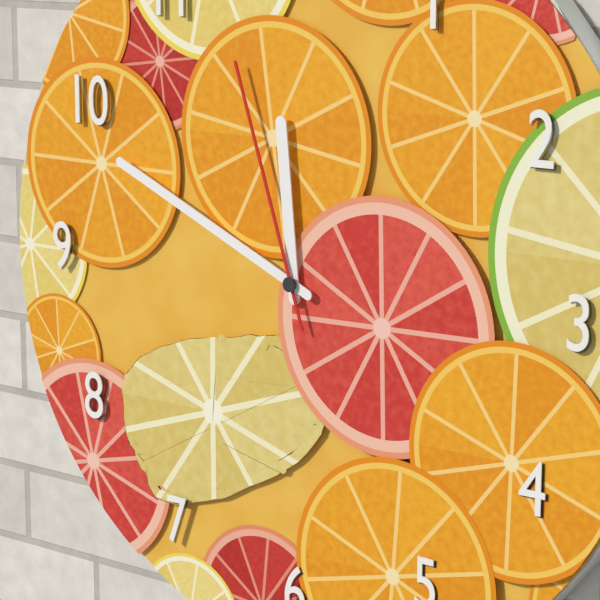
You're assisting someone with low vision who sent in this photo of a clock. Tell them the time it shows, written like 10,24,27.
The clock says 11,49,57
